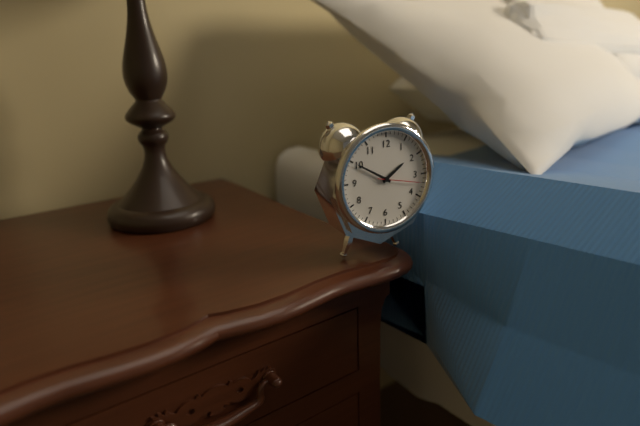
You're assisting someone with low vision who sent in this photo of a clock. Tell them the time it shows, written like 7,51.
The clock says 1,50
